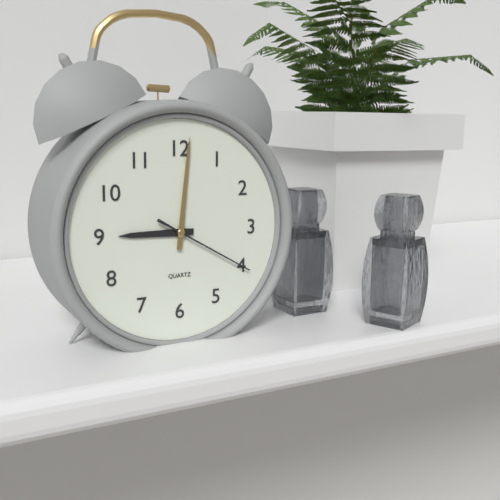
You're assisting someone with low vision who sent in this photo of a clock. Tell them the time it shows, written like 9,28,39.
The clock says 9,01,20
